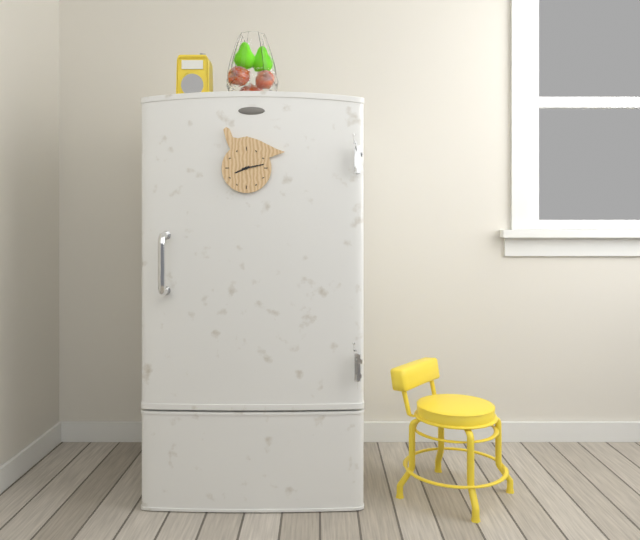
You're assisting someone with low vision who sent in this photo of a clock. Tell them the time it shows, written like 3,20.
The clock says 8,13
